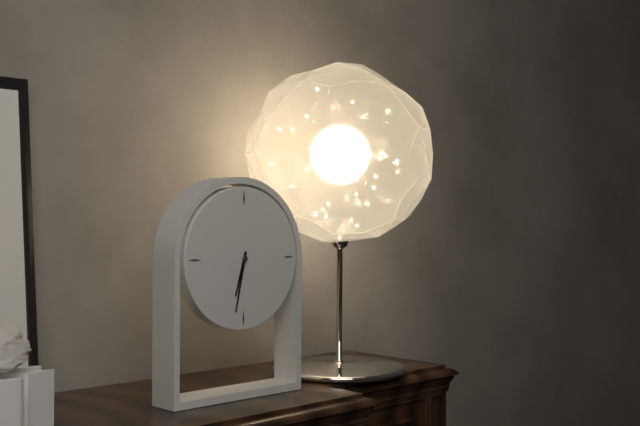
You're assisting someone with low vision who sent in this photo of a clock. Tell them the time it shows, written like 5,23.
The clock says 6,32
